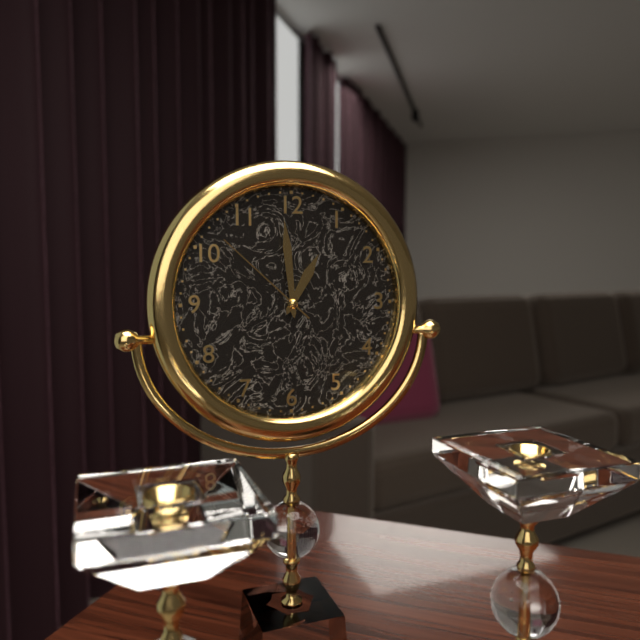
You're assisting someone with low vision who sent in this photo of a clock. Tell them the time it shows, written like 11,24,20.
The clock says 12,59,52
